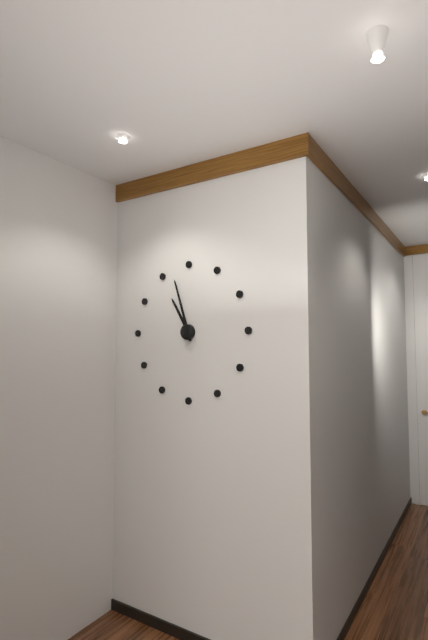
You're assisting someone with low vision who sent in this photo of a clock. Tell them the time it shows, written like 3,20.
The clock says 10,57
